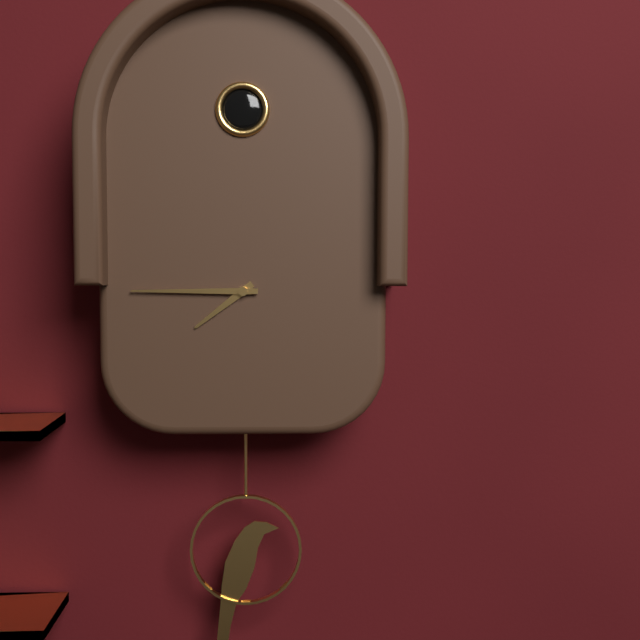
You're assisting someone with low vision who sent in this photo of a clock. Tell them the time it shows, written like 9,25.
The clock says 7,45
